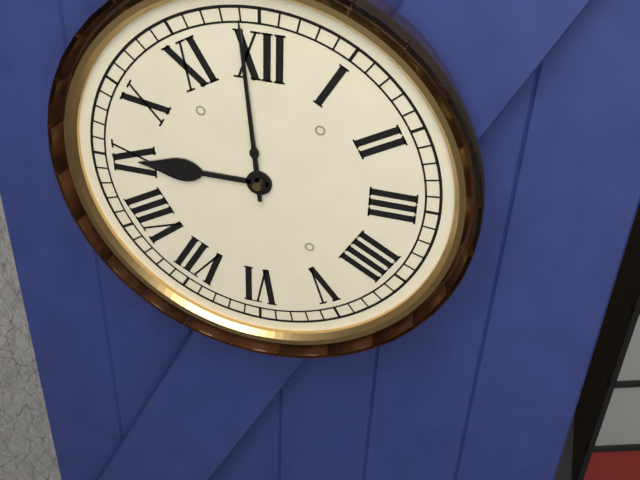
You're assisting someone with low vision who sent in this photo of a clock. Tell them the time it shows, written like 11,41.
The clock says 8,59
